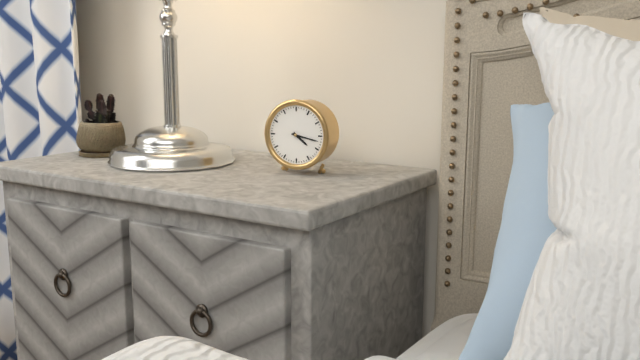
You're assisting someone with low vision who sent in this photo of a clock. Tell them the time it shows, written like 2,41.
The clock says 4,17
